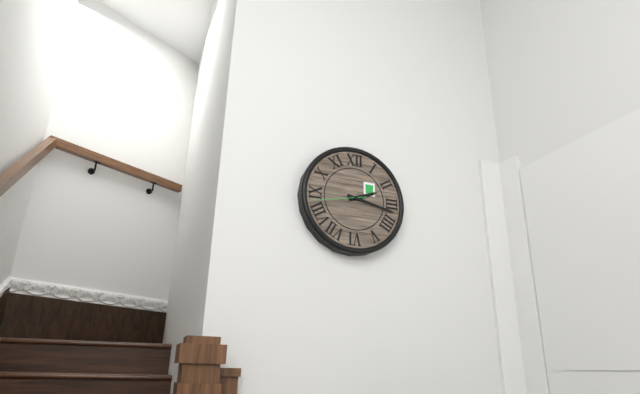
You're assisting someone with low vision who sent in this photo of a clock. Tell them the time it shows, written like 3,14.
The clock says 2,17
